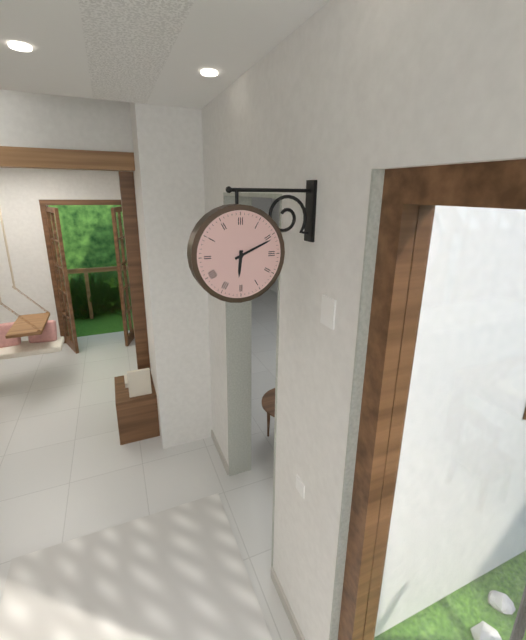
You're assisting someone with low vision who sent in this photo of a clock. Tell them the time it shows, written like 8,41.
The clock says 6,11
